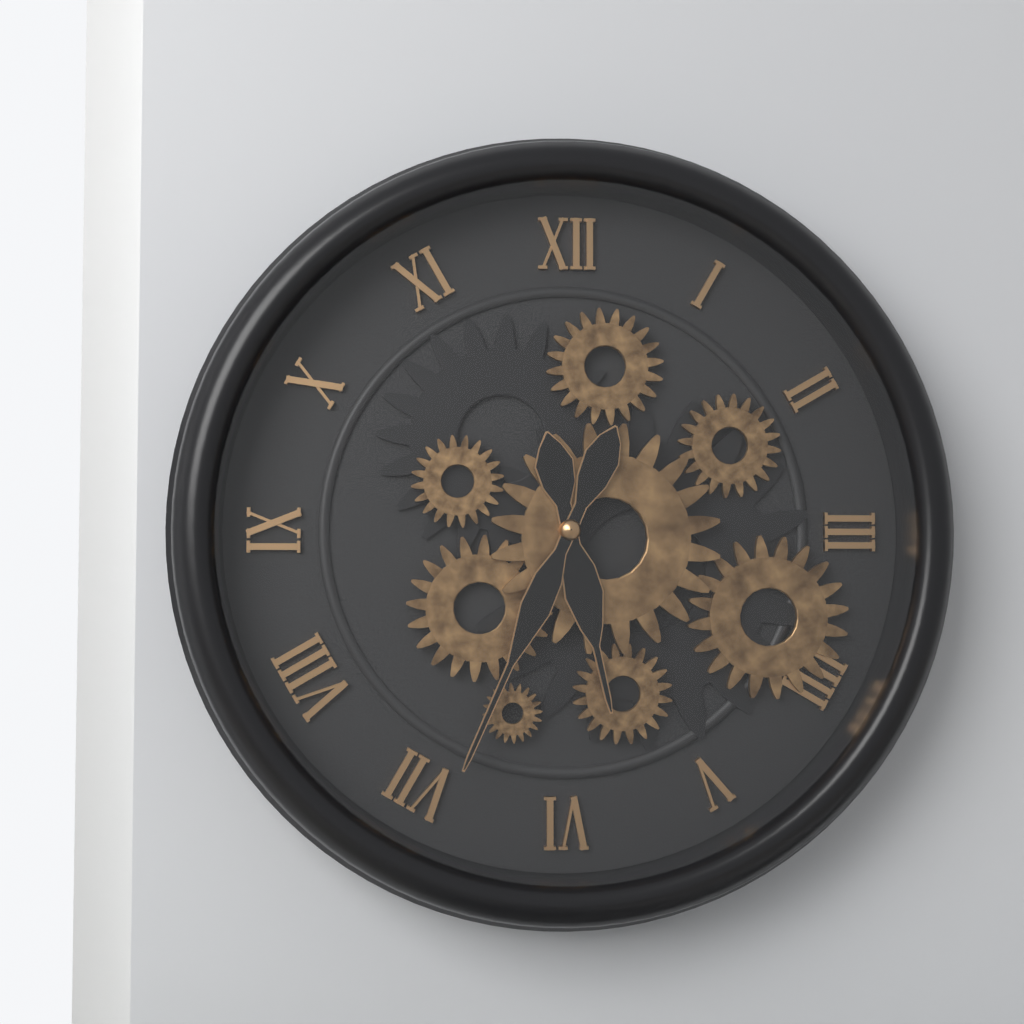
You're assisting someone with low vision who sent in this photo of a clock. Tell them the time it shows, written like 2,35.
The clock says 5,34
